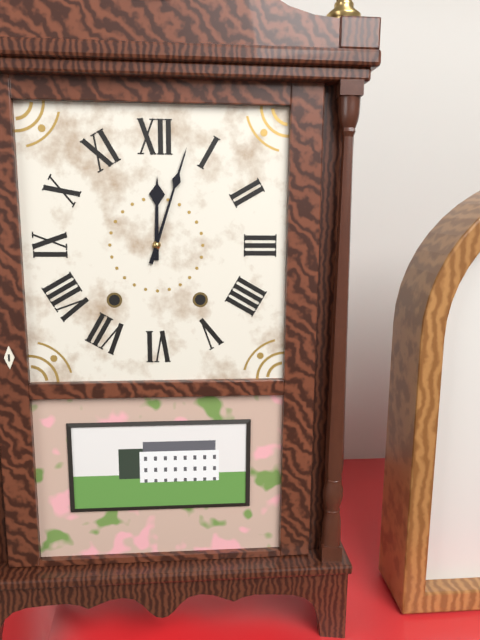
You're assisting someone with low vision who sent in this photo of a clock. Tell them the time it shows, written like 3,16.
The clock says 12,03
